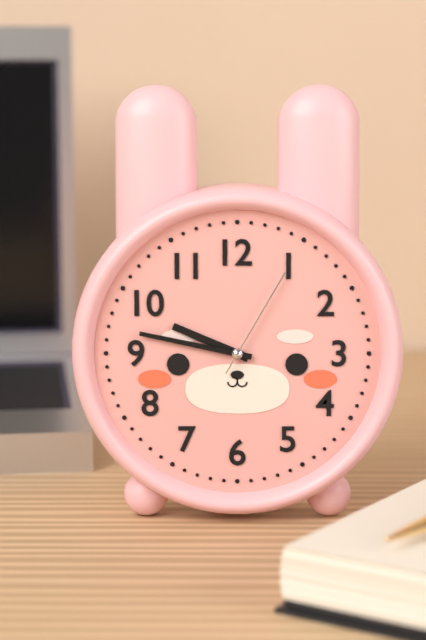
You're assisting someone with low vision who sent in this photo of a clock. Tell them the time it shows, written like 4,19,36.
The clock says 9,47,05
